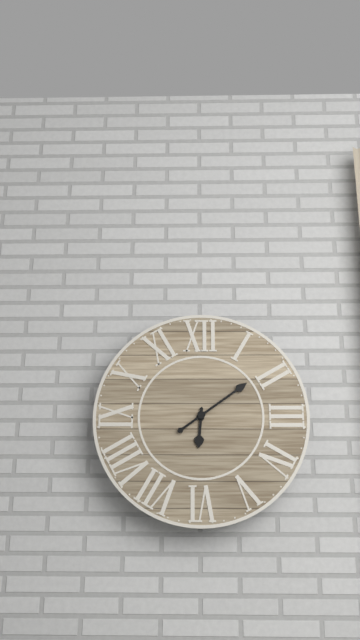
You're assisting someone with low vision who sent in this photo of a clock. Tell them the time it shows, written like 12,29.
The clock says 6,09
